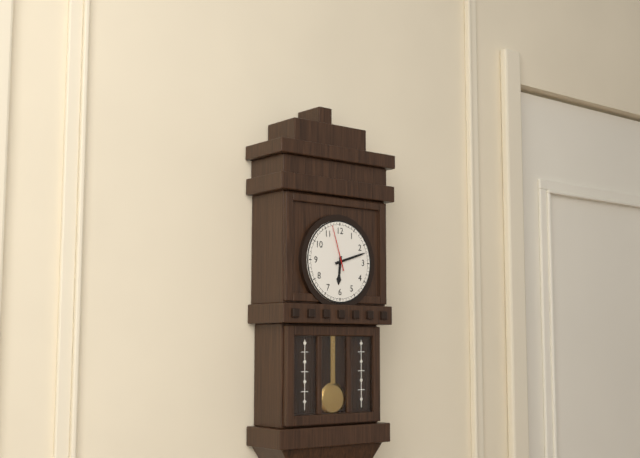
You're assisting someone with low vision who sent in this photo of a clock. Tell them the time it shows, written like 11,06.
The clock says 6,12
